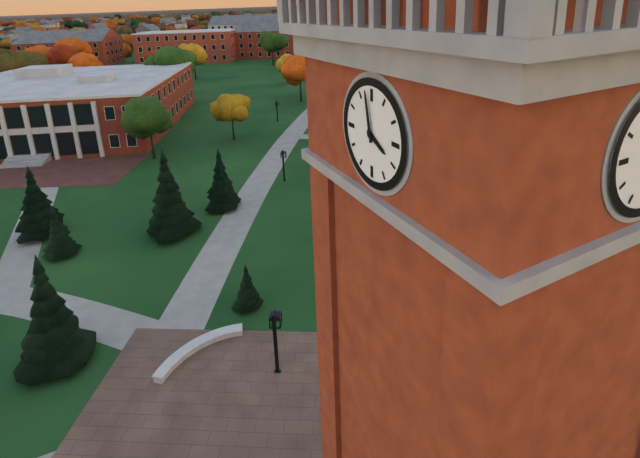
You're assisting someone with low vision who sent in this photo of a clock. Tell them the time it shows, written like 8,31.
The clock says 3,58
